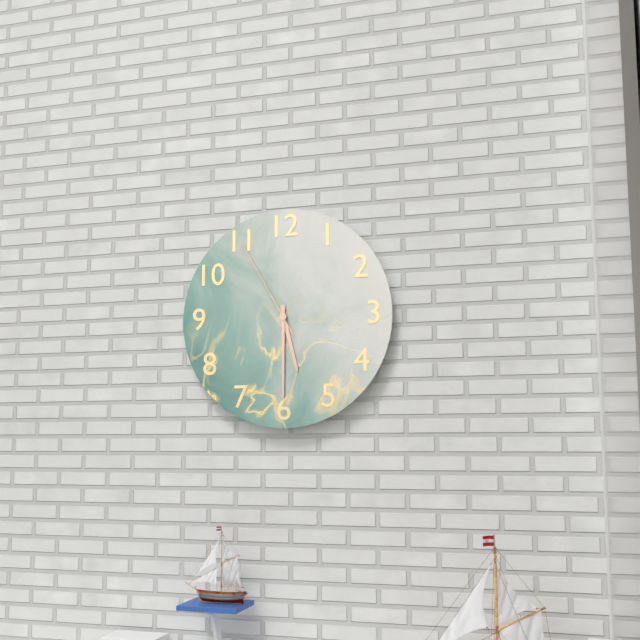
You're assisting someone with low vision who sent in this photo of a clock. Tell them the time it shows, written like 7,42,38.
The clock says 5,30,55
